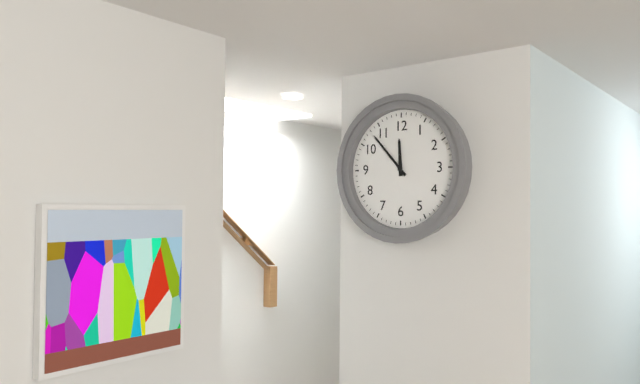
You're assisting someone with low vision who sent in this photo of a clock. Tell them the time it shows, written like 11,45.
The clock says 11,53
